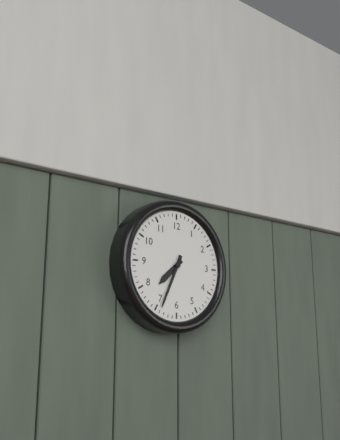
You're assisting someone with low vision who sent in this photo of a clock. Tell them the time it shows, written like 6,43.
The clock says 7,34
